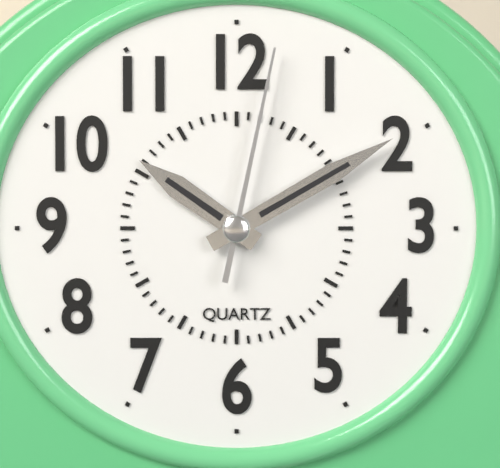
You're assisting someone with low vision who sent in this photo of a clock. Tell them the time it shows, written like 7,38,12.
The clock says 10,10,02
